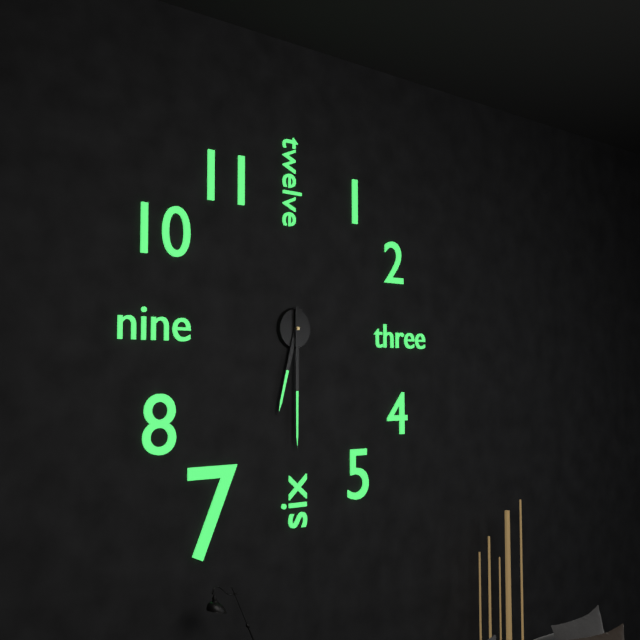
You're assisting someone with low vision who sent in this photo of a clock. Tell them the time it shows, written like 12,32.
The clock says 6,30
